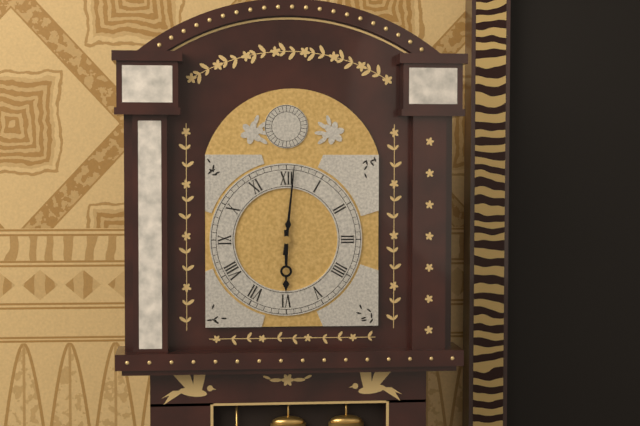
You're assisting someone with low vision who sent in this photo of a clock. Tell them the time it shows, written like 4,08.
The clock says 6,01
